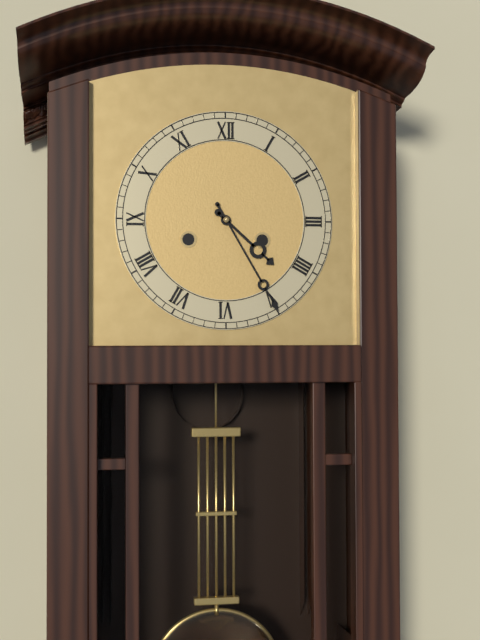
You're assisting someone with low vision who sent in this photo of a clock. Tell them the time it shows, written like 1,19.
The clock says 4,25
